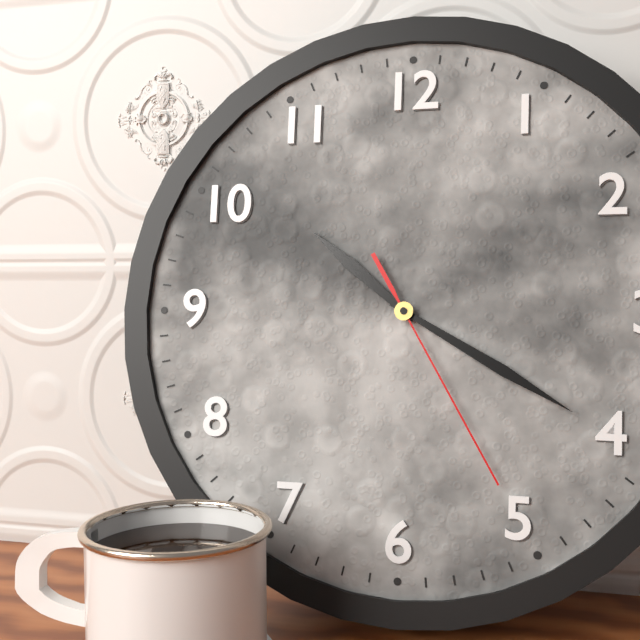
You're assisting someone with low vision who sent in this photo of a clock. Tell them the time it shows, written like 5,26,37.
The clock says 10,20,25
